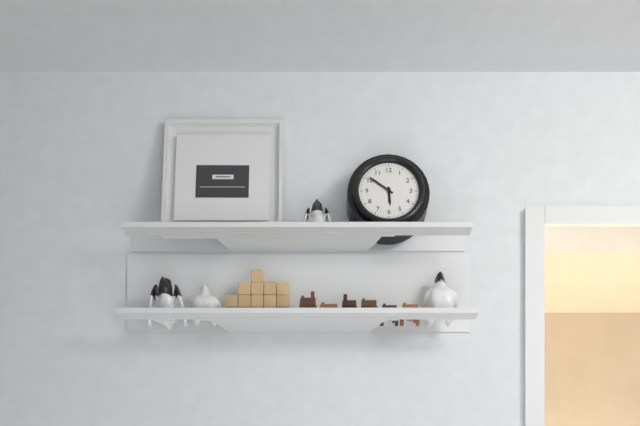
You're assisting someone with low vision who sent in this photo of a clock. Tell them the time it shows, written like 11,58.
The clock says 5,51
